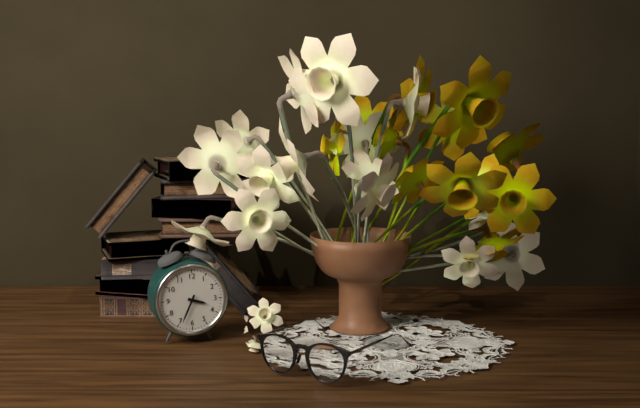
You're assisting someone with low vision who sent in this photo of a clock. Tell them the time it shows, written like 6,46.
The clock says 3,34
